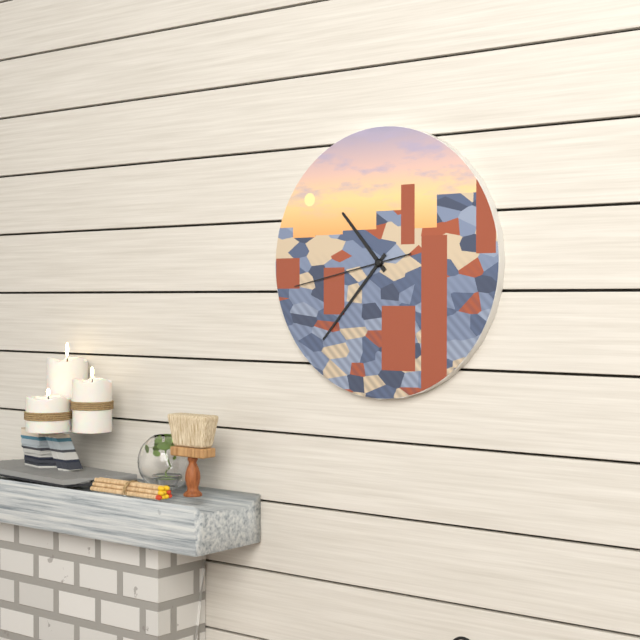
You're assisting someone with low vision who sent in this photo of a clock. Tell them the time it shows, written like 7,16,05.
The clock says 10,37,43
